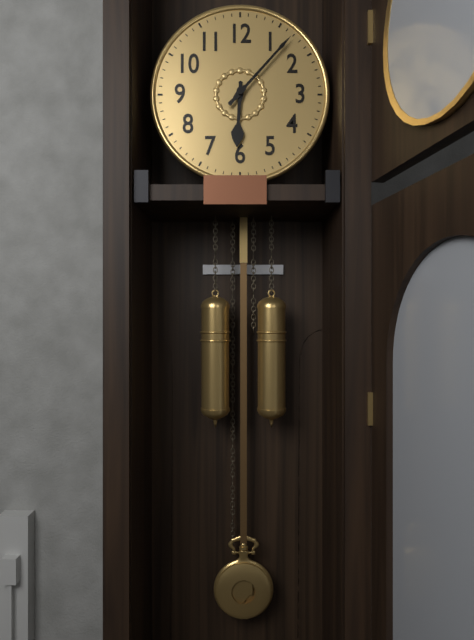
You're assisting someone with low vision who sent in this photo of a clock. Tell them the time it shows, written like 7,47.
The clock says 6,07
